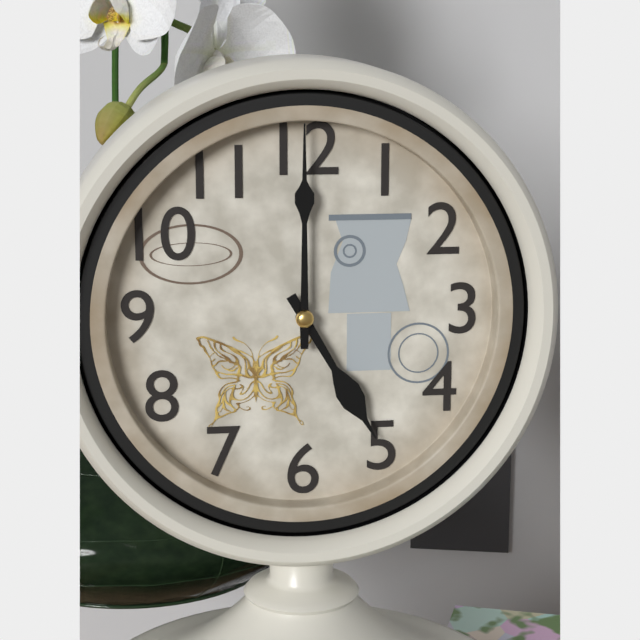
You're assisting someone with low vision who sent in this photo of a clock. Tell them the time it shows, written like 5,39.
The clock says 5,00
